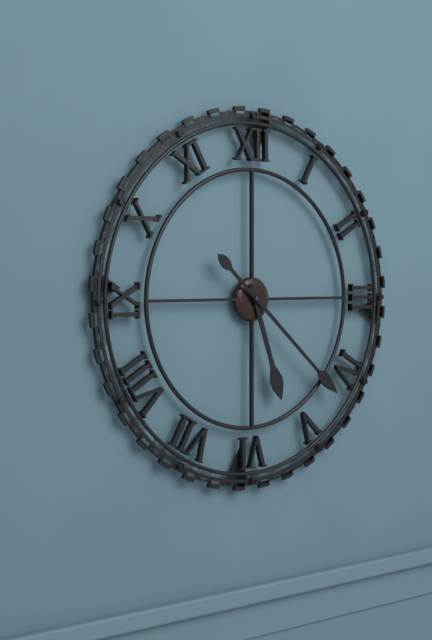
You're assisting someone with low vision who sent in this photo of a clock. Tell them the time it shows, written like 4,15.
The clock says 5,22
